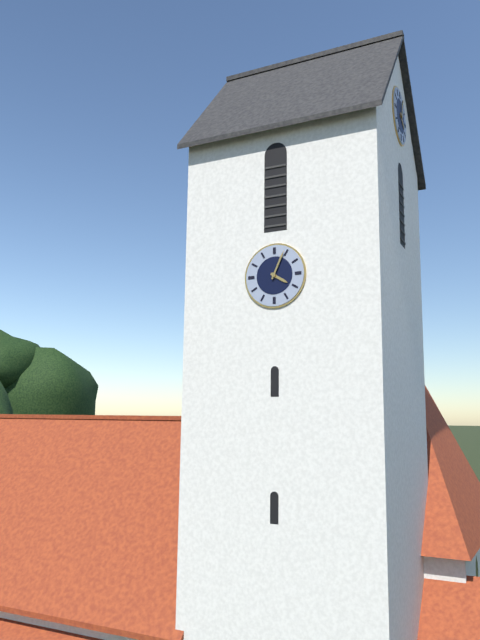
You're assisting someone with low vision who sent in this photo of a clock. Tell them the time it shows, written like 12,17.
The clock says 4,04
